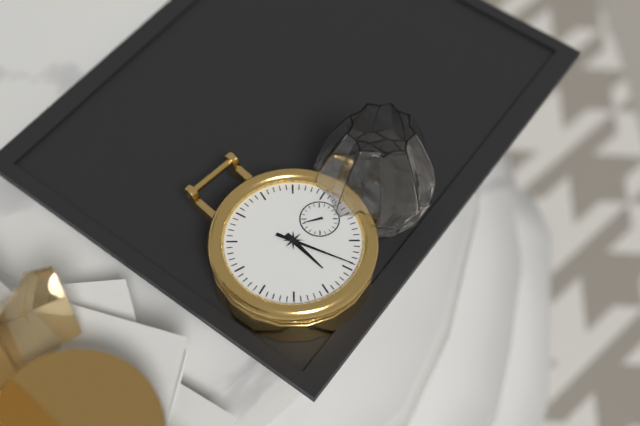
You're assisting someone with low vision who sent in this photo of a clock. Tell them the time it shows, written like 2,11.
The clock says 7,34
